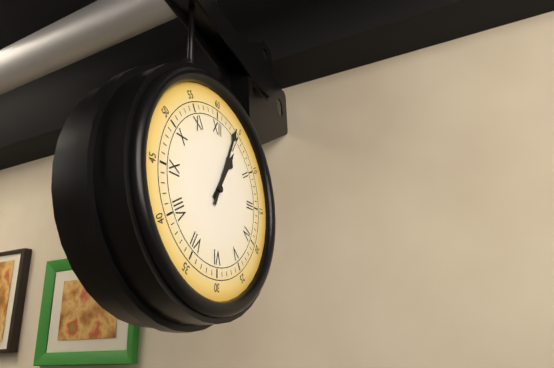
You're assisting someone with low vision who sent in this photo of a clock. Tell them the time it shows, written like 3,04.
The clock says 1,04
